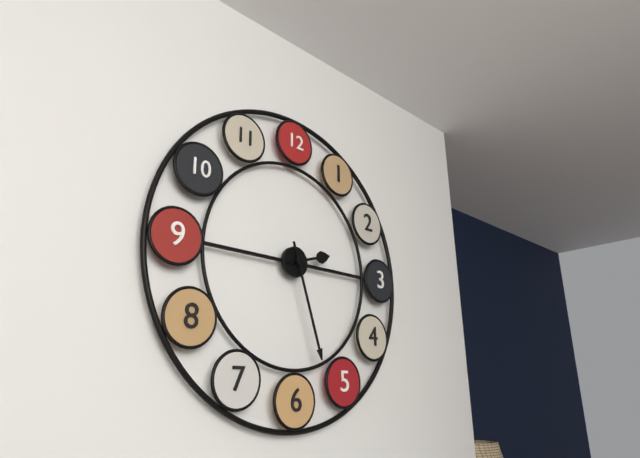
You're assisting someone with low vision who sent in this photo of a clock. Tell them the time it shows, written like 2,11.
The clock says 2,27
